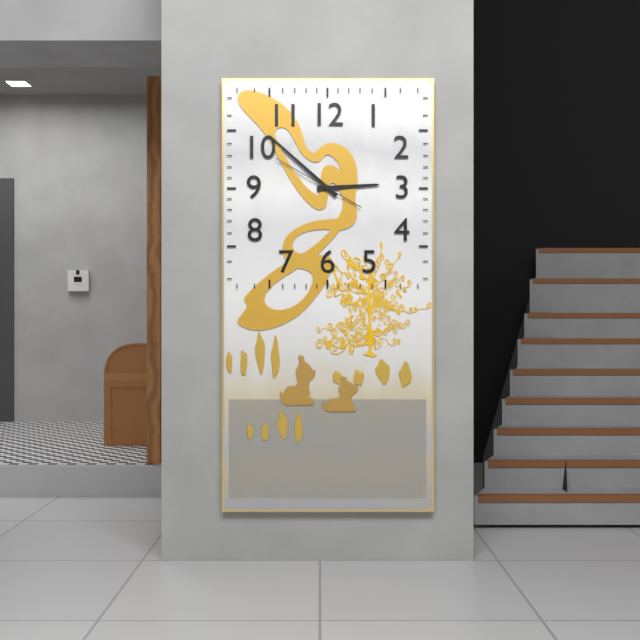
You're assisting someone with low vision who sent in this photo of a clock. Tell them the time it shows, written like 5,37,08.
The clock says 2,52,50
